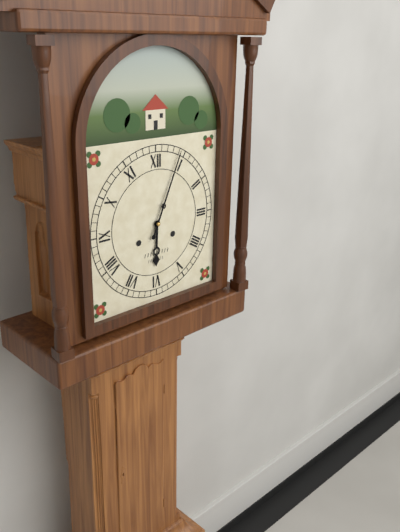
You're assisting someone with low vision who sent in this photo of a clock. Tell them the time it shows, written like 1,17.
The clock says 6,04
